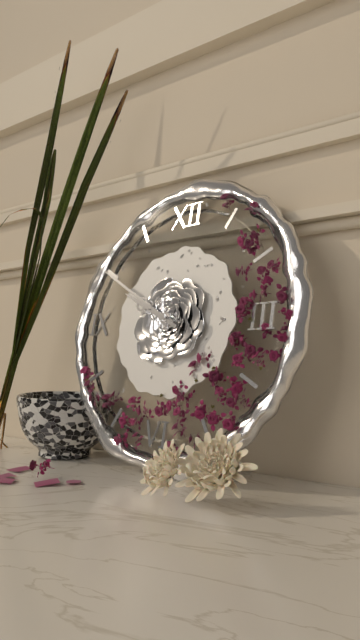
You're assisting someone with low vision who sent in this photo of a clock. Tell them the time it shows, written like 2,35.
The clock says 9,50
